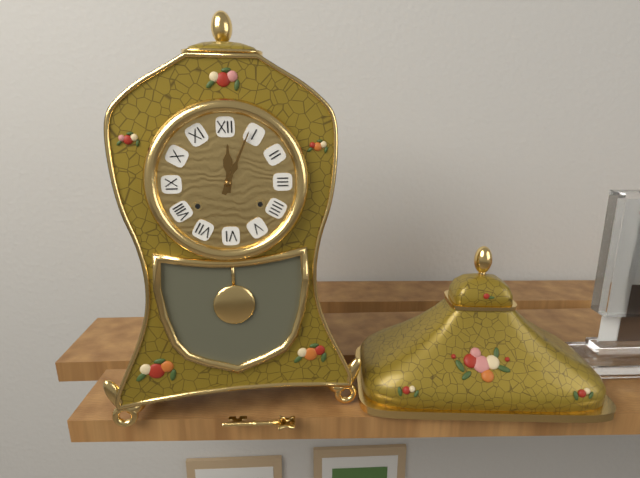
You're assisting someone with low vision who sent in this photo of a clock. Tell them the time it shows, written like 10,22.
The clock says 12,04
